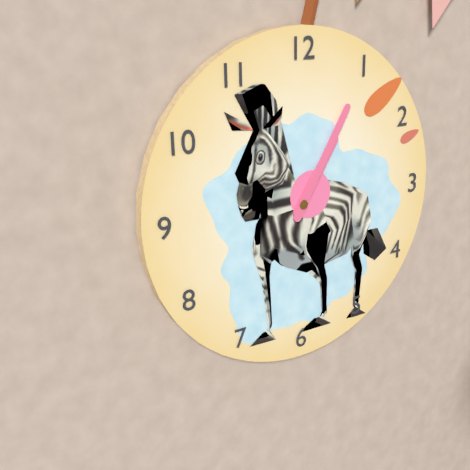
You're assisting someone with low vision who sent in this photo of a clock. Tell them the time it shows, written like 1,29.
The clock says 1,05
